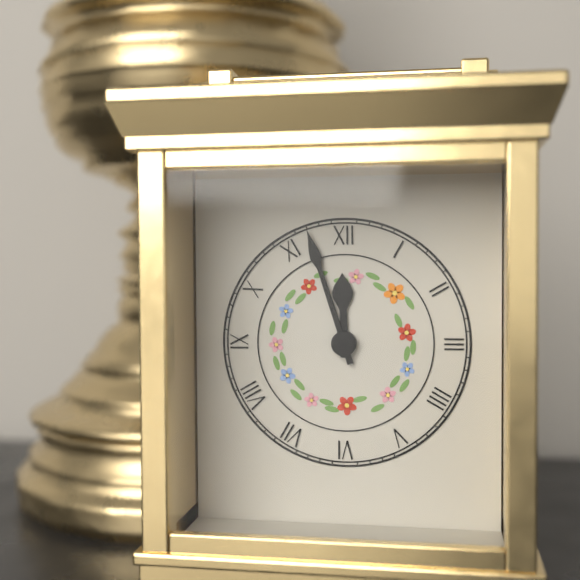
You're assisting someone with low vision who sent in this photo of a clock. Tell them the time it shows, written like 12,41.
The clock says 11,57
